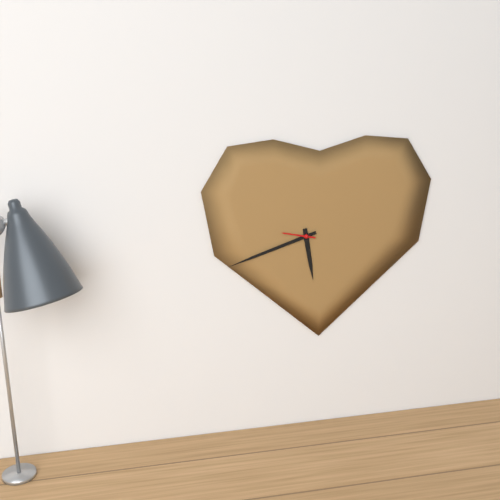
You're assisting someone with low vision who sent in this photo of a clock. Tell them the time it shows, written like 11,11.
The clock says 5,42
